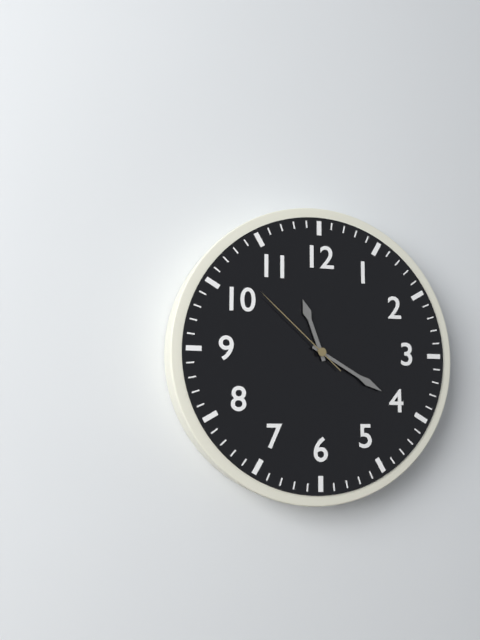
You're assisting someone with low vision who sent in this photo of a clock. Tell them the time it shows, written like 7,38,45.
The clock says 11,20,52
